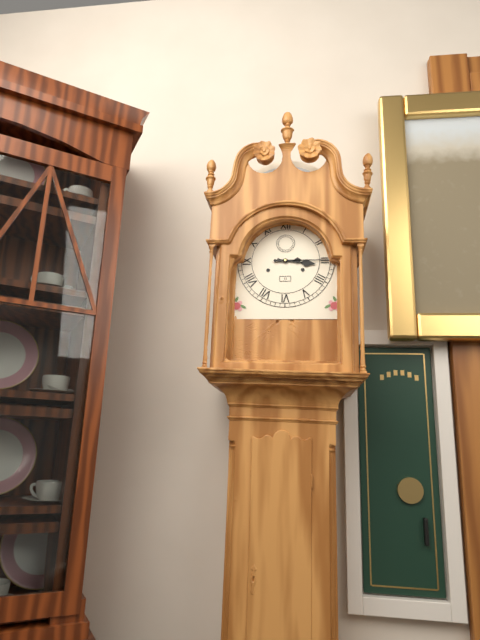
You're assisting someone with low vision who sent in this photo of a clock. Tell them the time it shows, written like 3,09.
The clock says 3,15
